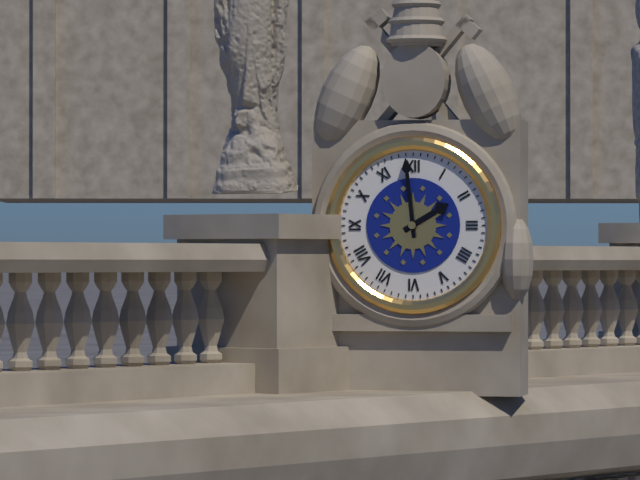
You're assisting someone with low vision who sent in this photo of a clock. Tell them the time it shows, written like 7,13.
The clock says 1,59
